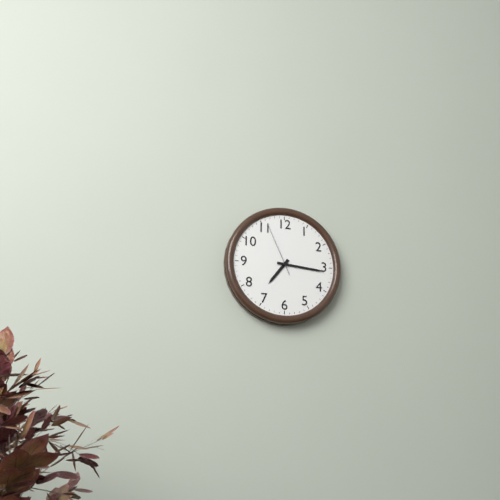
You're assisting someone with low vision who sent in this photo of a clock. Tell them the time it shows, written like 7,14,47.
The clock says 7,16,56
